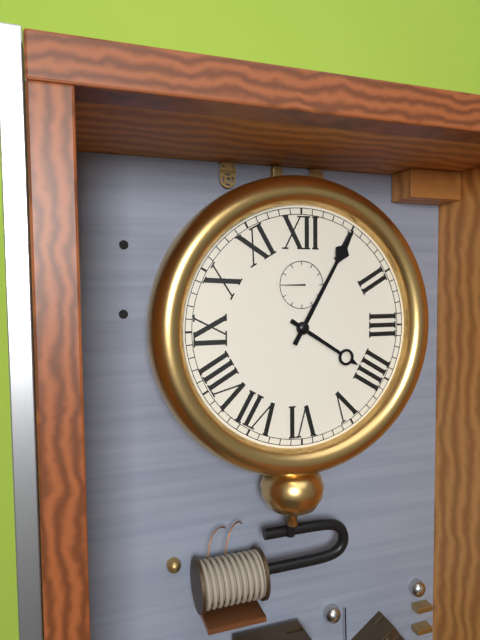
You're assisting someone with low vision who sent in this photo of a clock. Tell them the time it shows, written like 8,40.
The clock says 4,05
